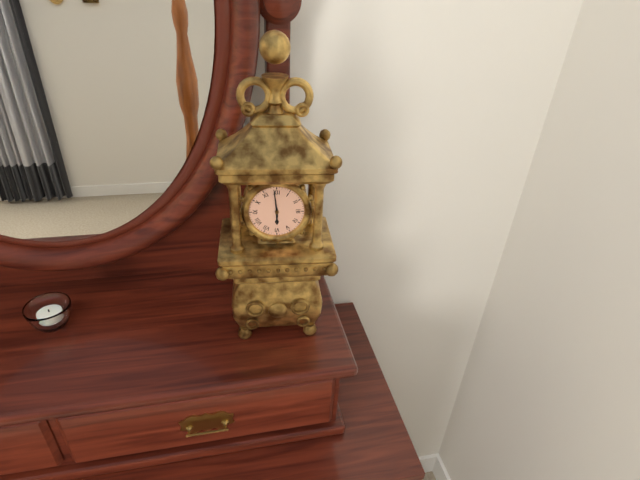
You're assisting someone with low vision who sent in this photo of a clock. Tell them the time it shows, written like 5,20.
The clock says 5,59
